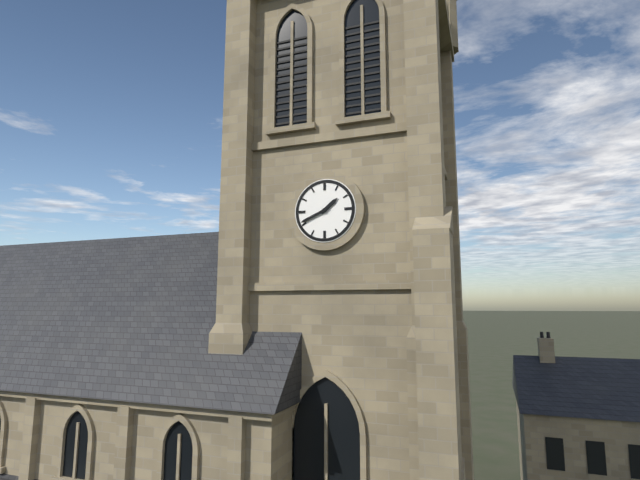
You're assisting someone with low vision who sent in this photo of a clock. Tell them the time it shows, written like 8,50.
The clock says 1,41
